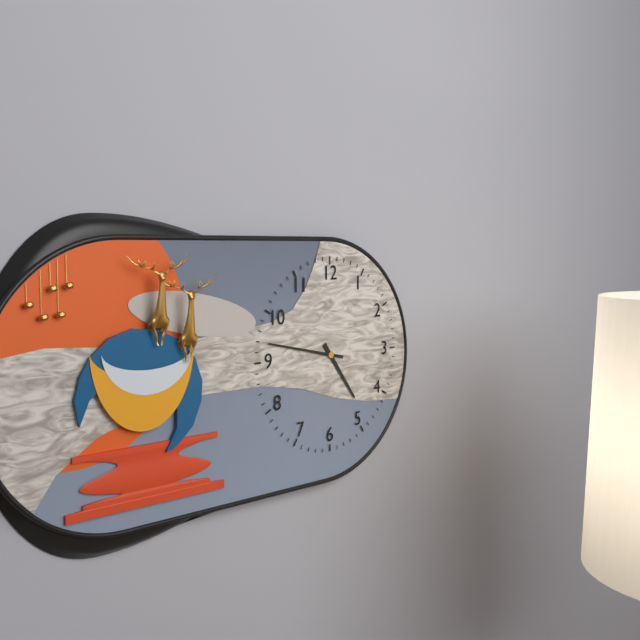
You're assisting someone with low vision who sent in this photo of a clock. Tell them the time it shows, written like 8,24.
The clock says 4,47
